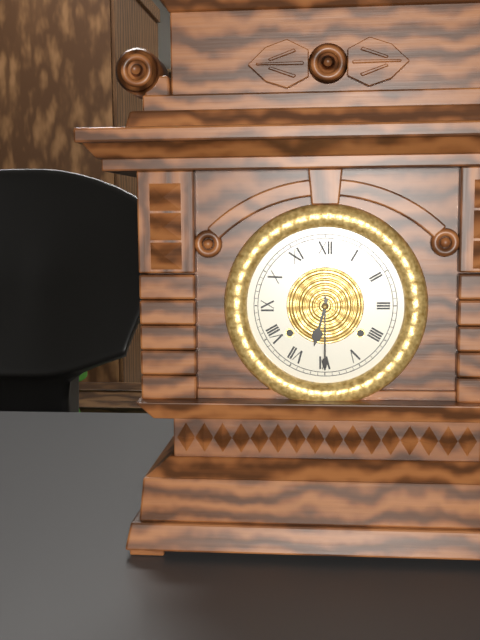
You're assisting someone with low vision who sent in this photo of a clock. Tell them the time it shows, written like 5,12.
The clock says 6,30
